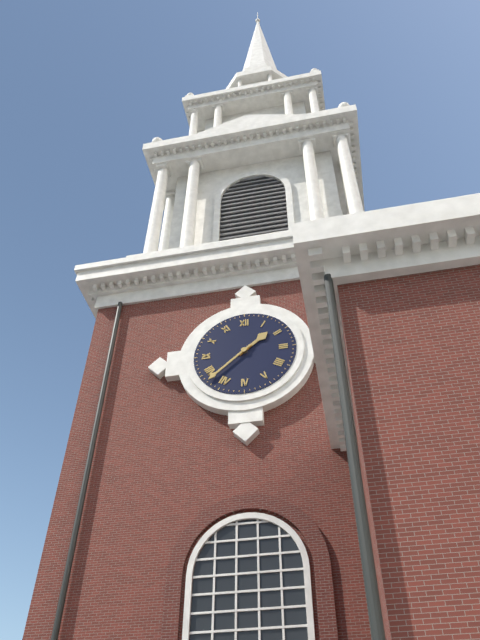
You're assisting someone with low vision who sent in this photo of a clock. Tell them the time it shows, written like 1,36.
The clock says 1,38
